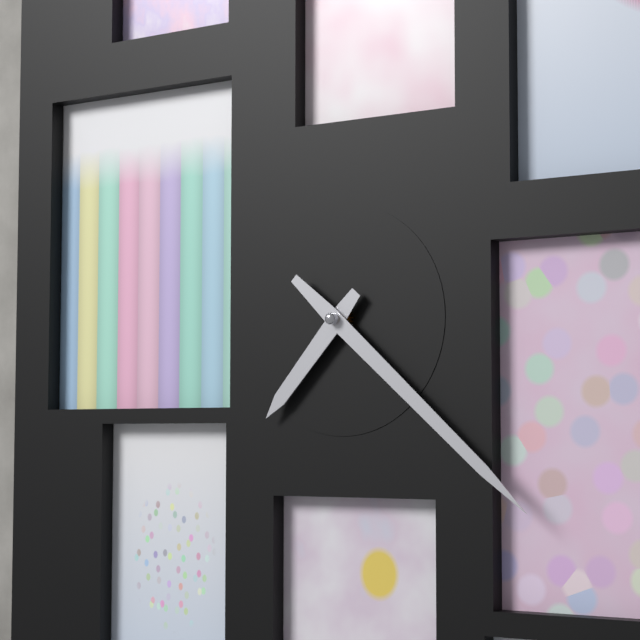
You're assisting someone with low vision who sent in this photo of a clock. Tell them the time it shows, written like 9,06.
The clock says 7,22
